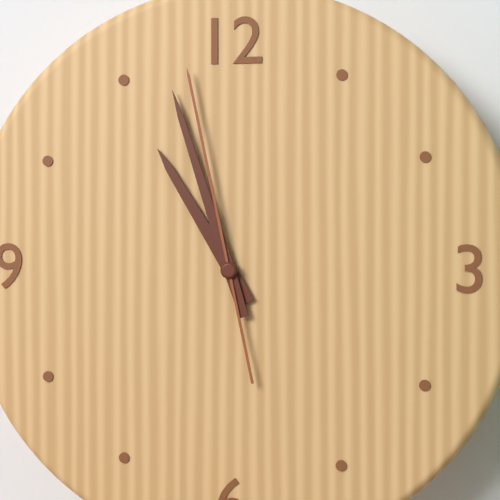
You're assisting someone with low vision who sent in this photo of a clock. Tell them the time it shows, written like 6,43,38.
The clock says 10,57,58
